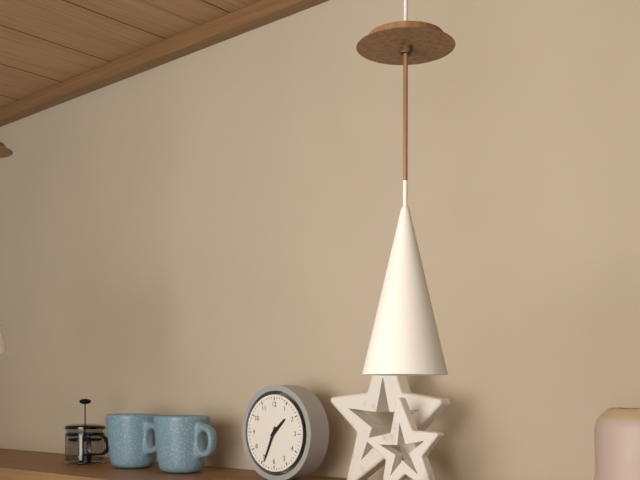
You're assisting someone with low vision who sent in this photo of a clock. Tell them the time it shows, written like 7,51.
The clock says 1,34
